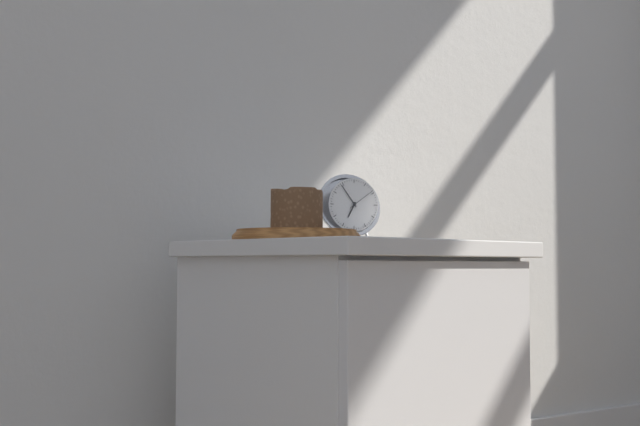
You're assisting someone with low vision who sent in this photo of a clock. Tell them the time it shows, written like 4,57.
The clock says 6,54
